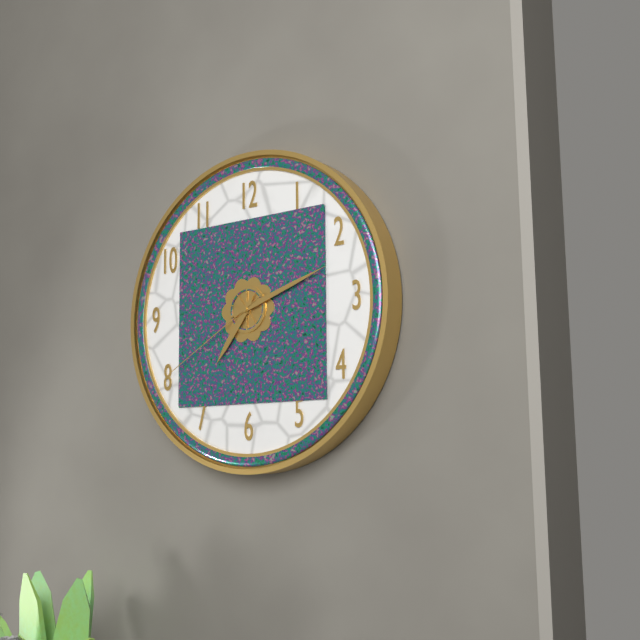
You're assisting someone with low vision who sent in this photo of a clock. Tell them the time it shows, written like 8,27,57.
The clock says 7,12,40
